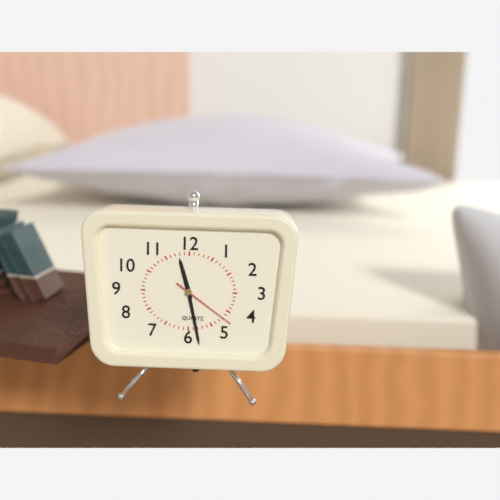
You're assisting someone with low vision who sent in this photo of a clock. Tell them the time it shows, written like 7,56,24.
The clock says 11,28,21
